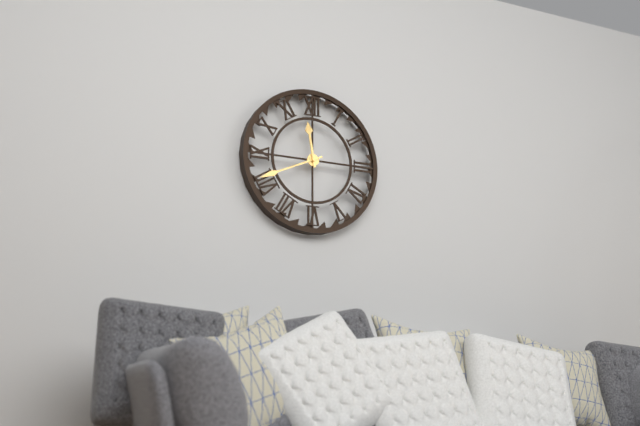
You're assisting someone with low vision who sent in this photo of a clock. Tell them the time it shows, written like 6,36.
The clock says 11,41
